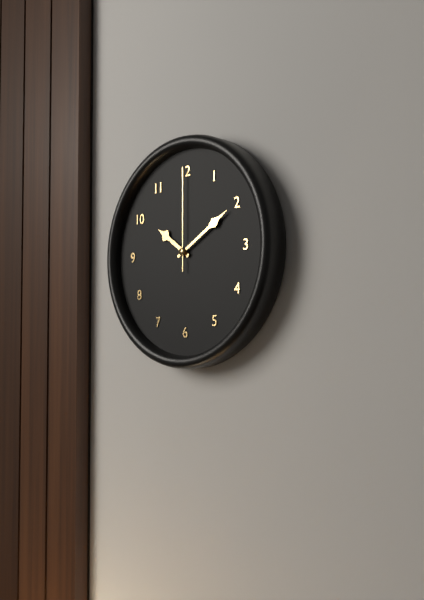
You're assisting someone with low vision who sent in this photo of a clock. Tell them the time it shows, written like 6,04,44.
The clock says 10,10,00
